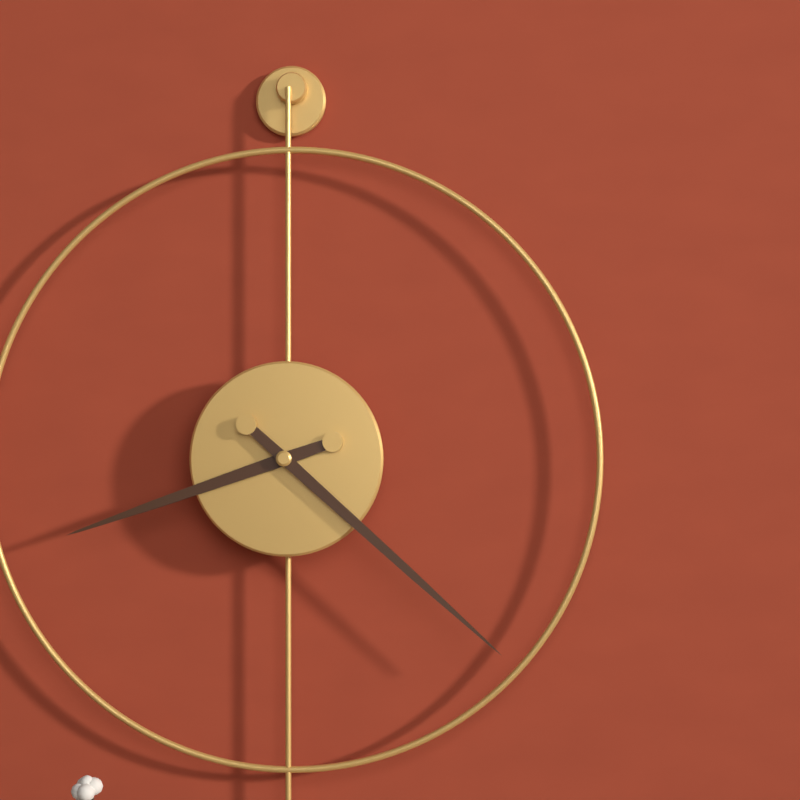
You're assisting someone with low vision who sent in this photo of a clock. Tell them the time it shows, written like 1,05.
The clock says 8,22
